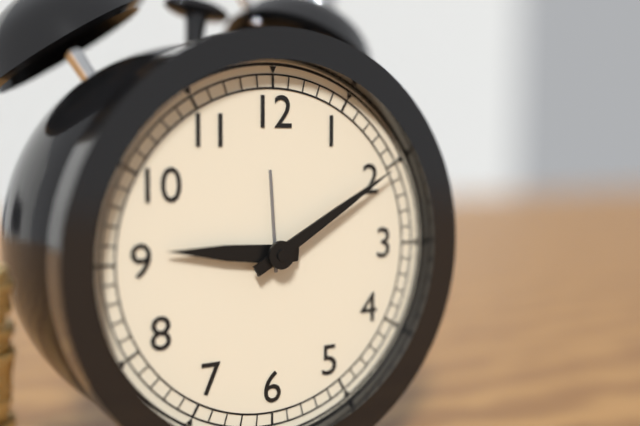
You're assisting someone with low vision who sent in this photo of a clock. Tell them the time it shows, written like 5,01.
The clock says 9,10
